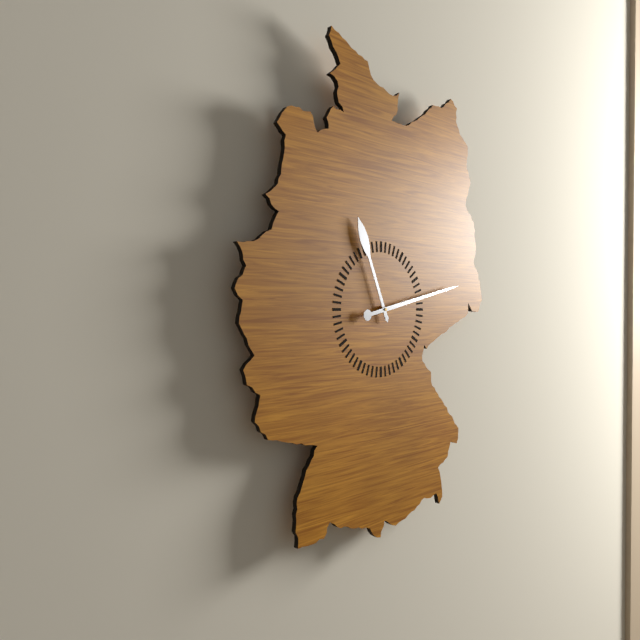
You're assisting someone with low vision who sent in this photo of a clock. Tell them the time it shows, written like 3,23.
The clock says 11,13
